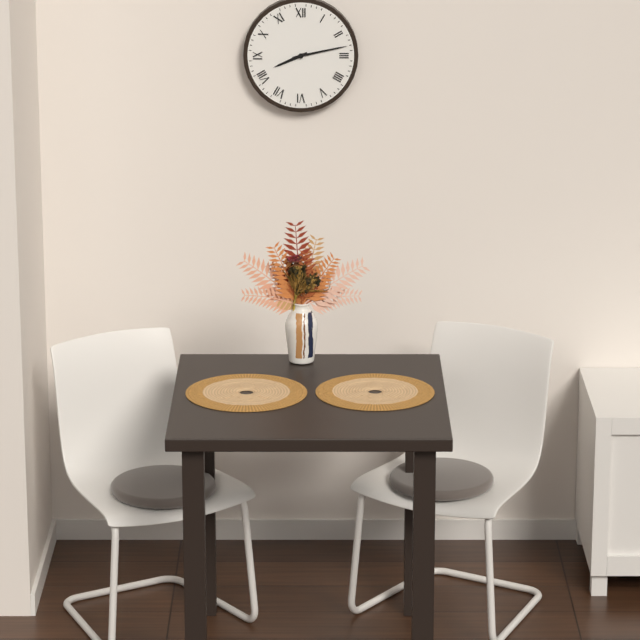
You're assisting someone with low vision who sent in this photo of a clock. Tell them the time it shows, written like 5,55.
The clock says 8,13
